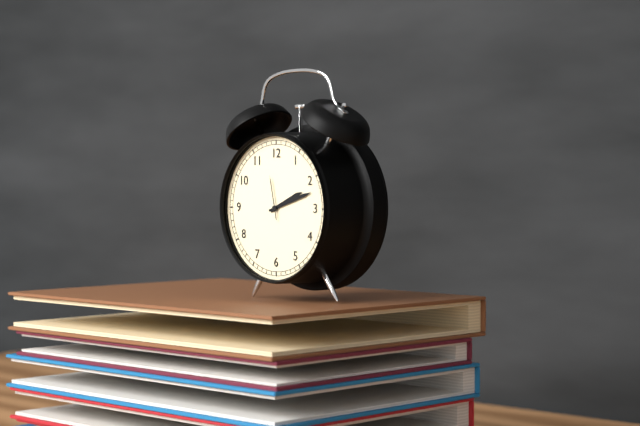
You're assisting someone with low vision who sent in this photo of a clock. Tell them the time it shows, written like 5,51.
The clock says 2,12
